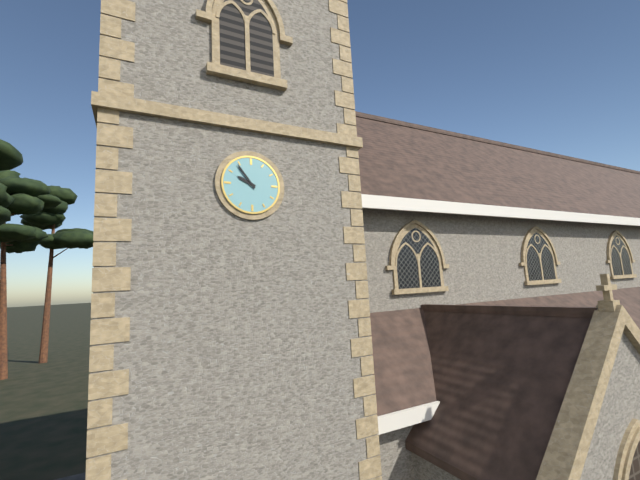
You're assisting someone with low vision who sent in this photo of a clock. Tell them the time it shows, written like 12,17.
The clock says 9,54
